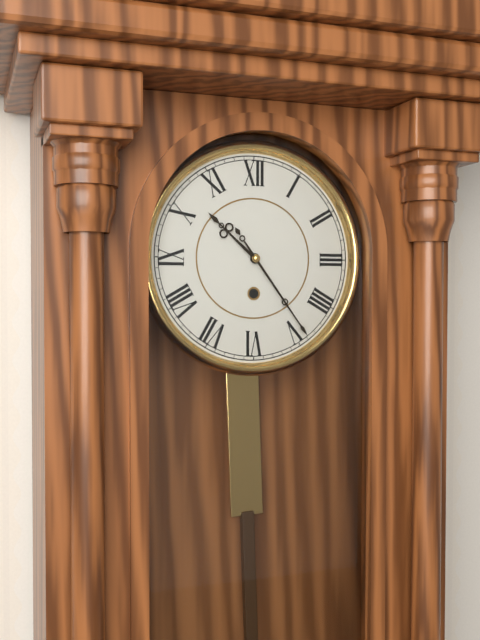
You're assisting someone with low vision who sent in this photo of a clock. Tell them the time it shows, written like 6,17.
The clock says 10,24
